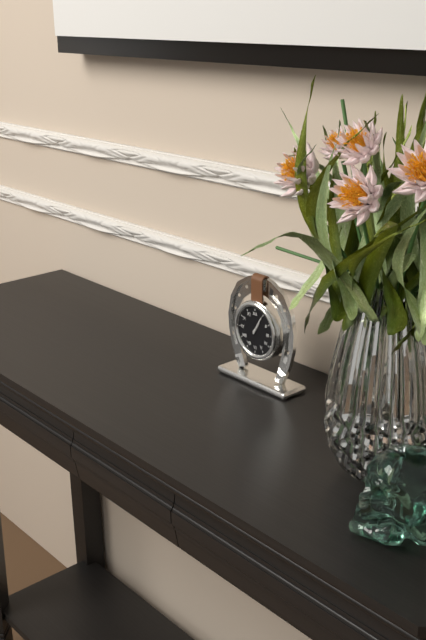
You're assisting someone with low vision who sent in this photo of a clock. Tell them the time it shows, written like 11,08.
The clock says 1,05
